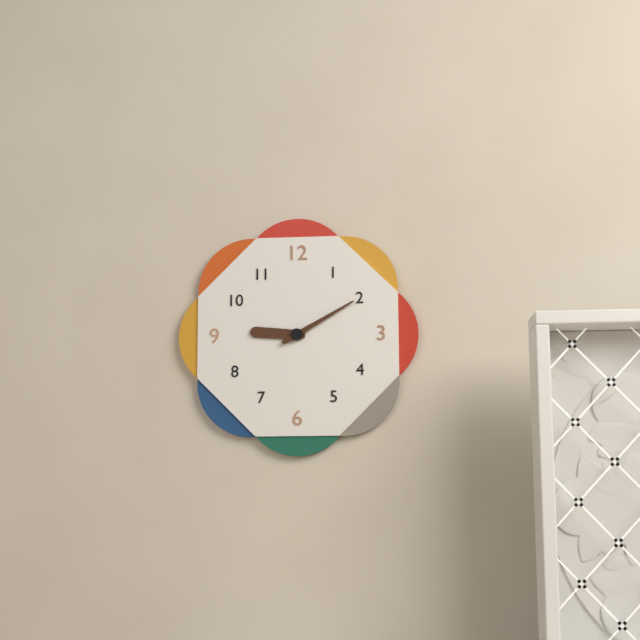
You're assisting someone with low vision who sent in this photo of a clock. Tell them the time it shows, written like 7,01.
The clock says 9,10
